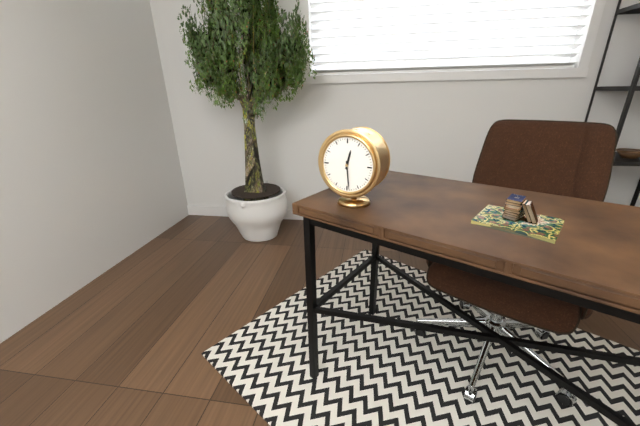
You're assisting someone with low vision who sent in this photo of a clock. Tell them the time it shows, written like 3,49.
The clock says 12,29
